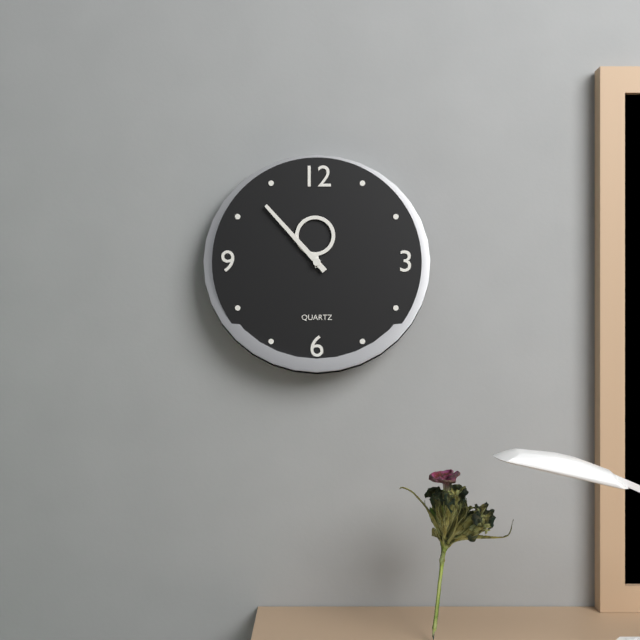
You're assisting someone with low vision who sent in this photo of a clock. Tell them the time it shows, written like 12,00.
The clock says 11,53
